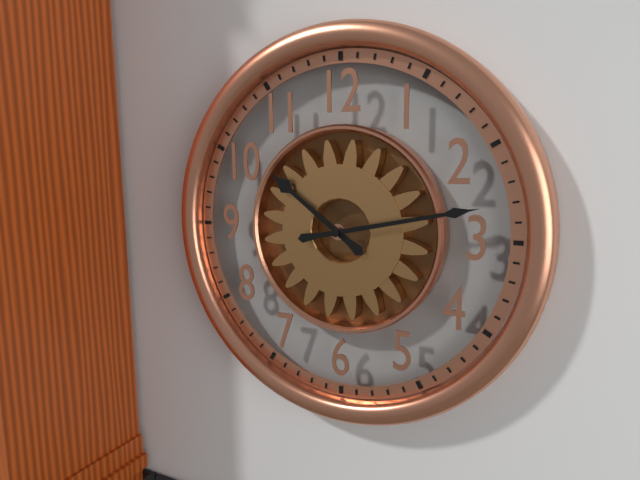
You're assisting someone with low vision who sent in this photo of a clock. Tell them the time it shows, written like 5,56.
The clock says 10,13
